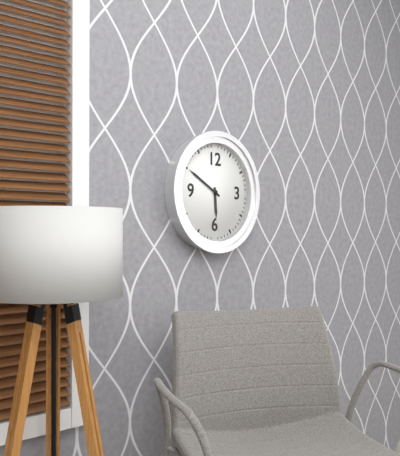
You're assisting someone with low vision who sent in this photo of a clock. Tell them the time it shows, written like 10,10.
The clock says 5,50
